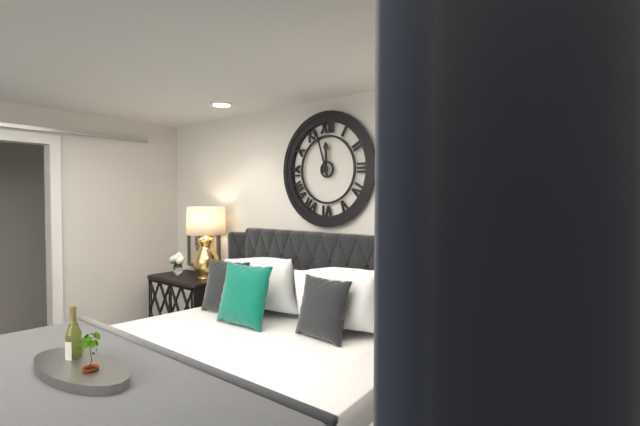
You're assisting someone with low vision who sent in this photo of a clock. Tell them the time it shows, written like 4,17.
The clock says 11,57
